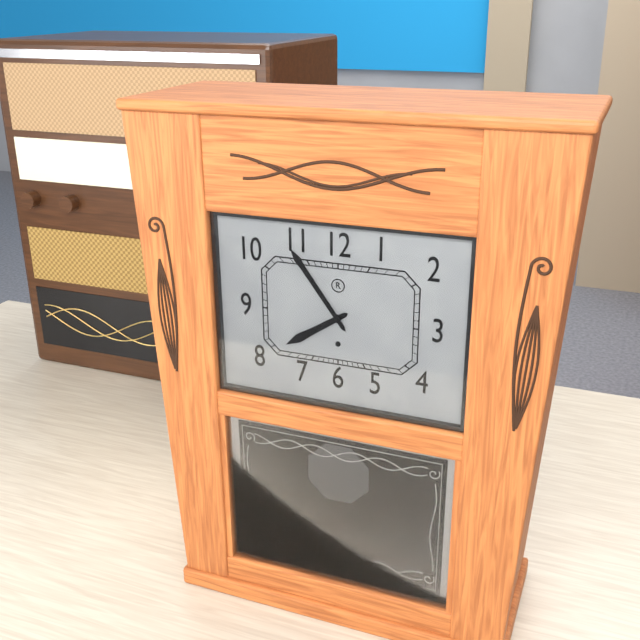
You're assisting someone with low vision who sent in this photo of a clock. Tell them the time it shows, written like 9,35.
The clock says 7,54
